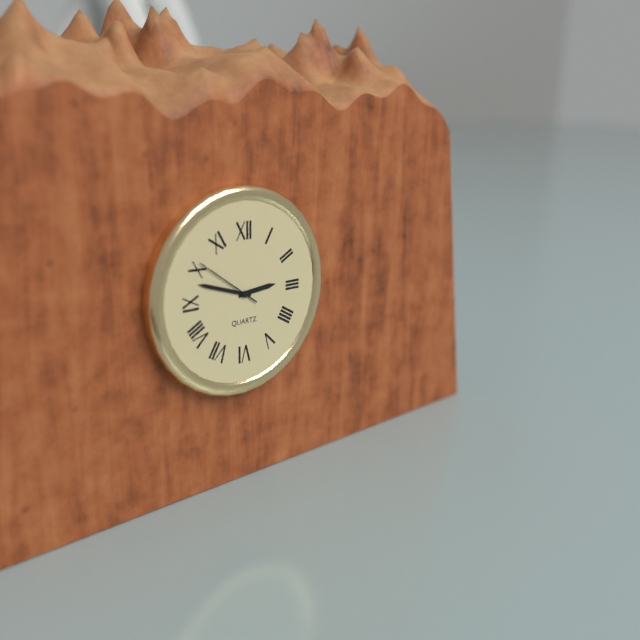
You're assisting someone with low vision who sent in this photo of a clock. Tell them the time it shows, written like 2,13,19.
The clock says 2,48,51
